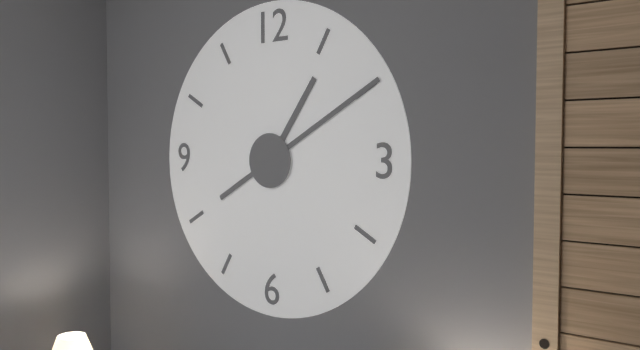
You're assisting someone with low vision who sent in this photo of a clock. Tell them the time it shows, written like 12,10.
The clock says 1,10
